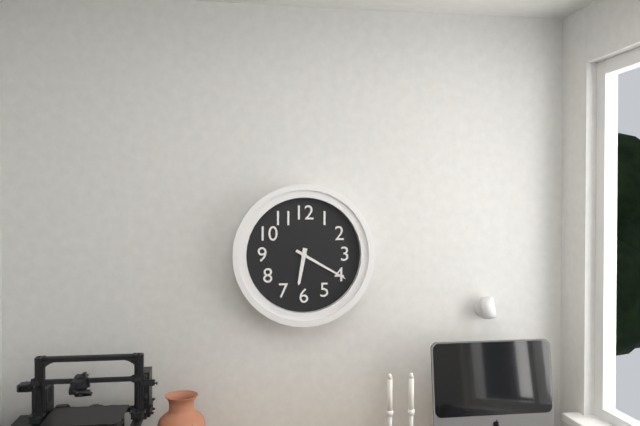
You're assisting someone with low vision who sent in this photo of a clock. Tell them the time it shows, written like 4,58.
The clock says 6,20
